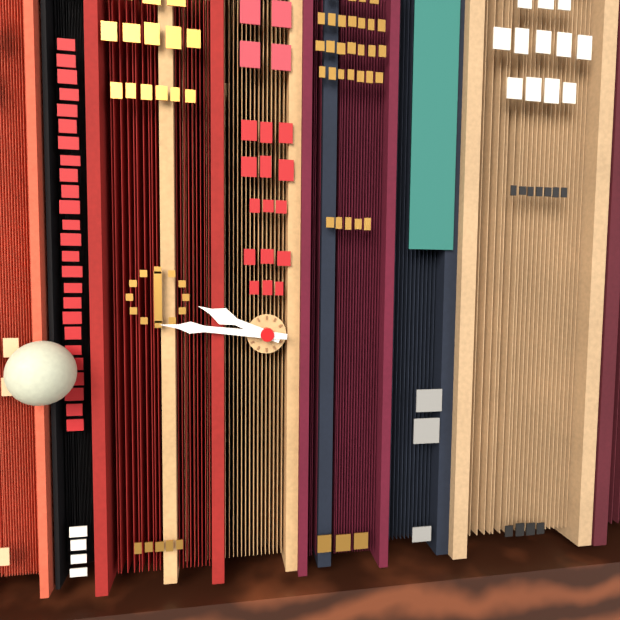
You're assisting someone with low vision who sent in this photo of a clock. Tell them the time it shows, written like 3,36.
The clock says 9,46
